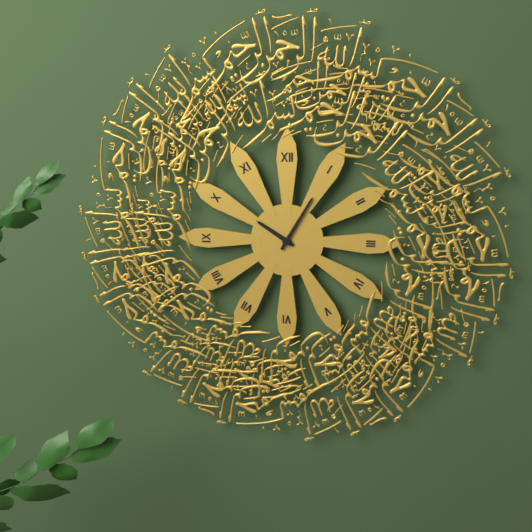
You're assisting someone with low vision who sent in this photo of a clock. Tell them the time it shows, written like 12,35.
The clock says 10,05
